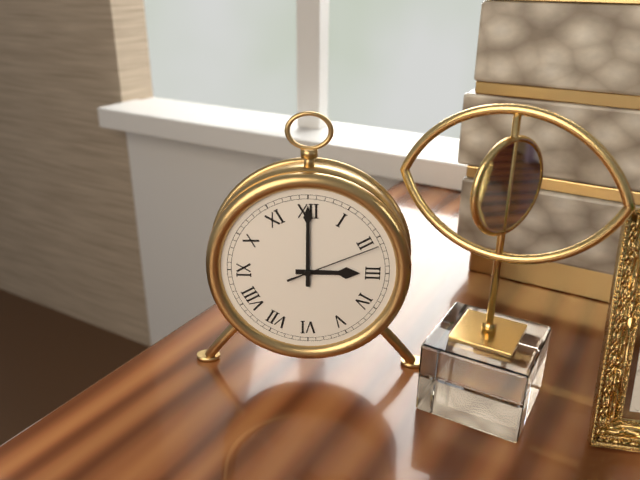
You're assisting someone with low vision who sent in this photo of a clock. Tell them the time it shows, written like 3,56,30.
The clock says 3,00,11
